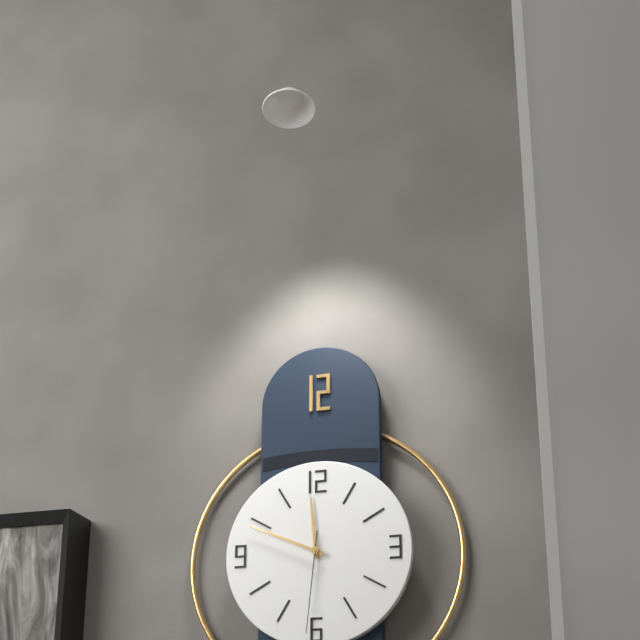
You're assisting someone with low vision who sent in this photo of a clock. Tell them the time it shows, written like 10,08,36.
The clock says 11,49,31
